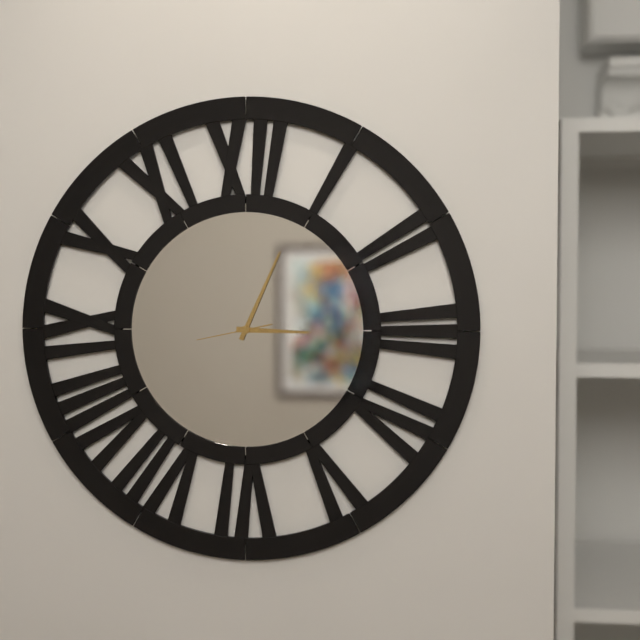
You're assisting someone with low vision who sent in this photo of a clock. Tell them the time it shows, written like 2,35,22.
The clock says 3,04,43
